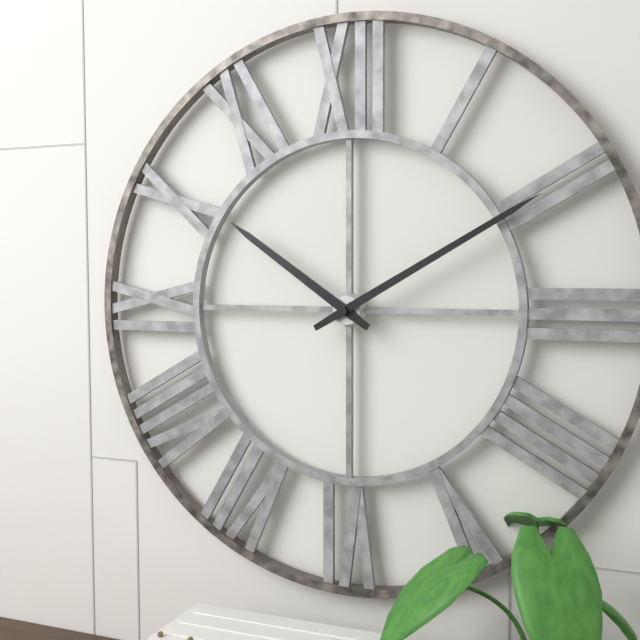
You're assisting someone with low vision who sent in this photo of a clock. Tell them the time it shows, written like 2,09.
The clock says 10,10
